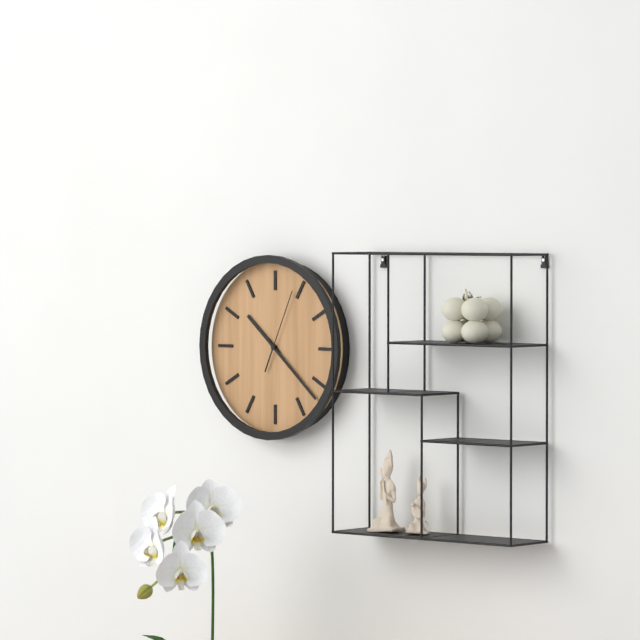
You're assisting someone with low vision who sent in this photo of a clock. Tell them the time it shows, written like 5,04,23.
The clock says 10,22,04
